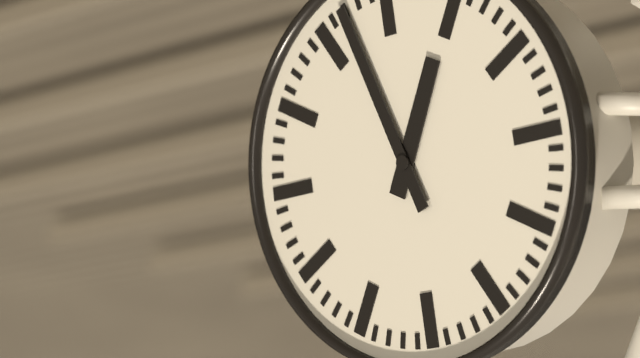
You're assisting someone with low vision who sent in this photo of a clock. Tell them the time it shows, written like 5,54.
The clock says 12,57
